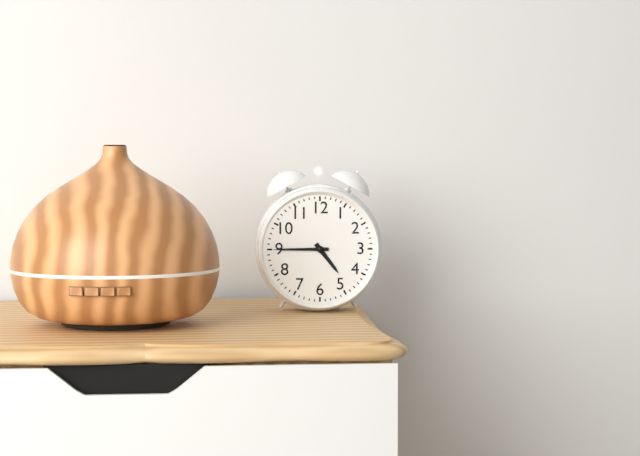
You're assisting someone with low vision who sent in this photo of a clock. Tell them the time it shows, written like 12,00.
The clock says 4,45
